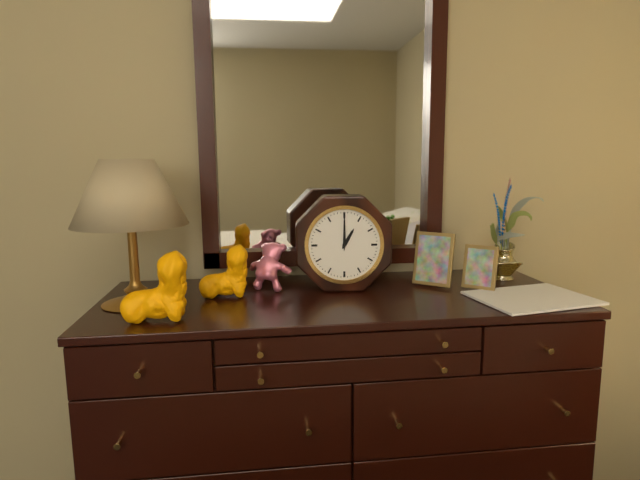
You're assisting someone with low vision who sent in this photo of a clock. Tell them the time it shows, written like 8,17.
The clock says 1,00
